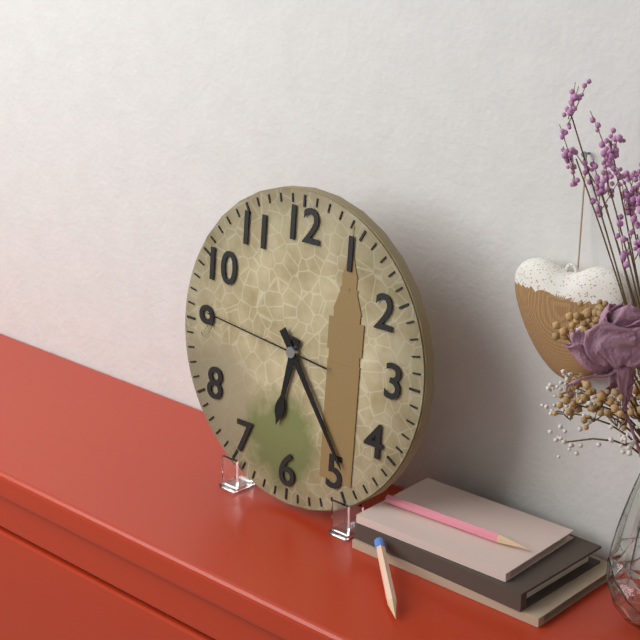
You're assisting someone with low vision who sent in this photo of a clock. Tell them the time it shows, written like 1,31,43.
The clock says 6,24,46
